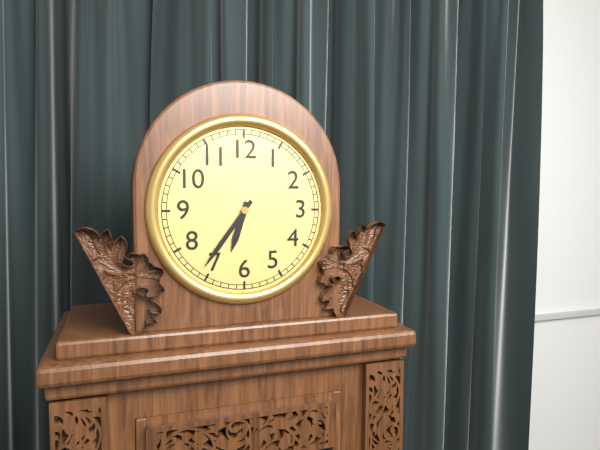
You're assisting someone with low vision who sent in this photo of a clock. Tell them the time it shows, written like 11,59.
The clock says 6,36
